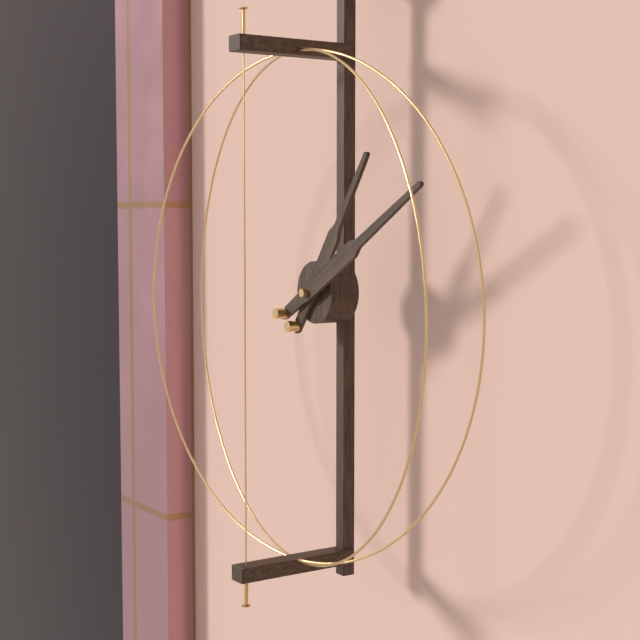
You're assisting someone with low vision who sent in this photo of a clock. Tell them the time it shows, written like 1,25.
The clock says 1,10
